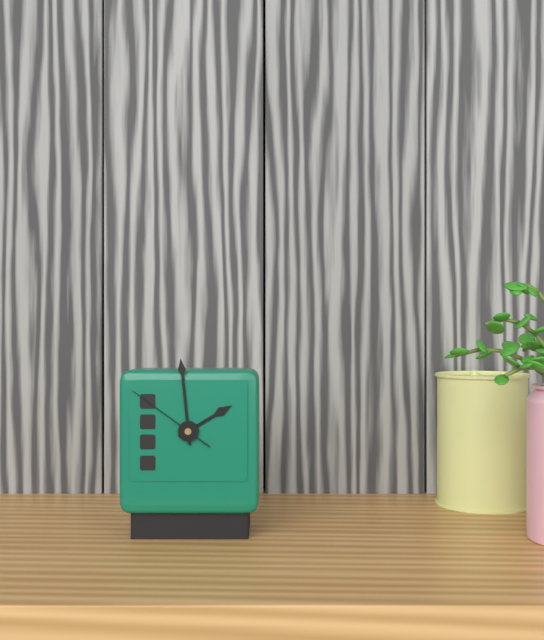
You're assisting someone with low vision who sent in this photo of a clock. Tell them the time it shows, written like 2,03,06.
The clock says 1,59,51
